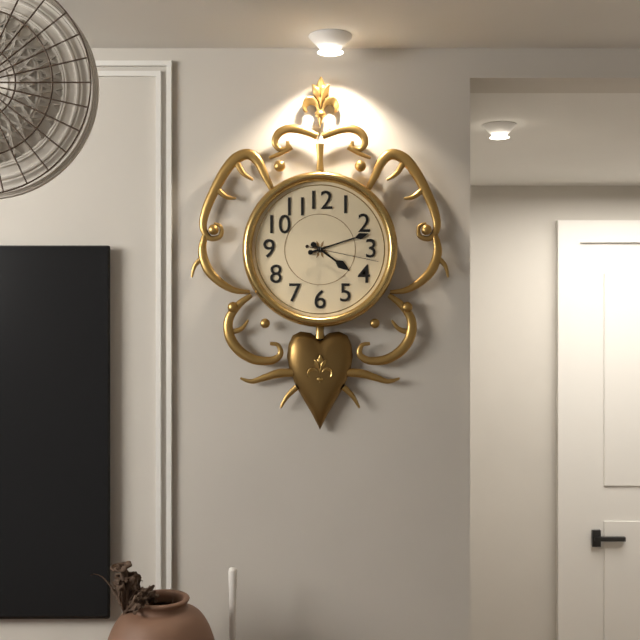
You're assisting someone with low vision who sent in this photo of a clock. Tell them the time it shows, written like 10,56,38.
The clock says 4,12,17
